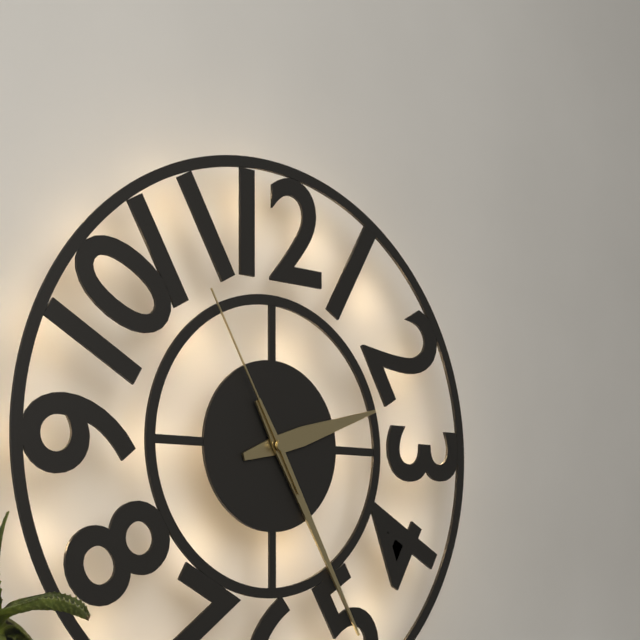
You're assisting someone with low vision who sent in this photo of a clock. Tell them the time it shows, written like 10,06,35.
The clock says 2,25,55
